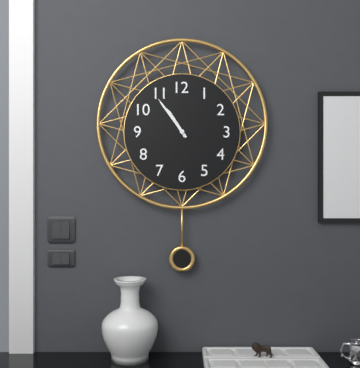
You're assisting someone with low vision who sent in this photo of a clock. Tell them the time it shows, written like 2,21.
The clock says 10,54
